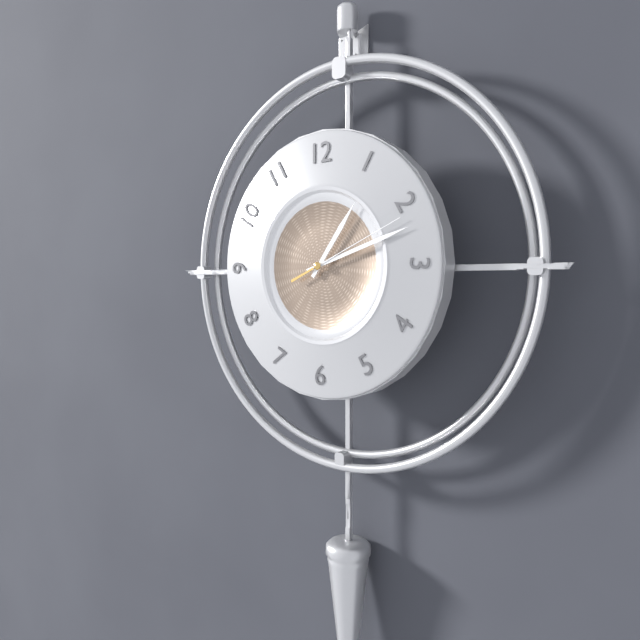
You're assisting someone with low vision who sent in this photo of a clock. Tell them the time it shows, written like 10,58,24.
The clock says 1,12,11
